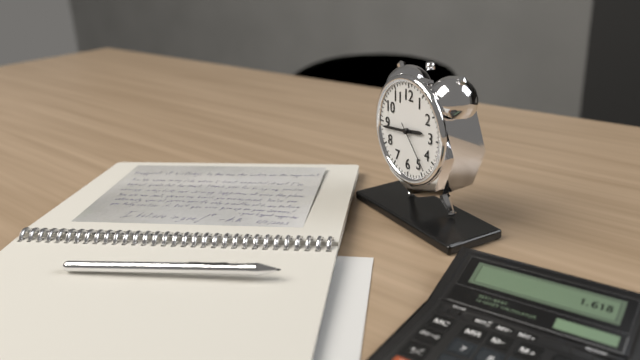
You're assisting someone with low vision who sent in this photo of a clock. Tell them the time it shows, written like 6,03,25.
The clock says 2,44,23
